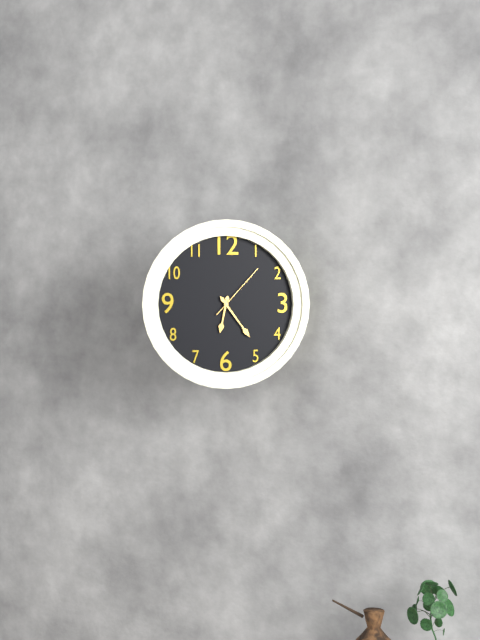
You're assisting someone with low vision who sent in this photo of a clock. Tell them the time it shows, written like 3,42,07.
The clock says 6,24,07
